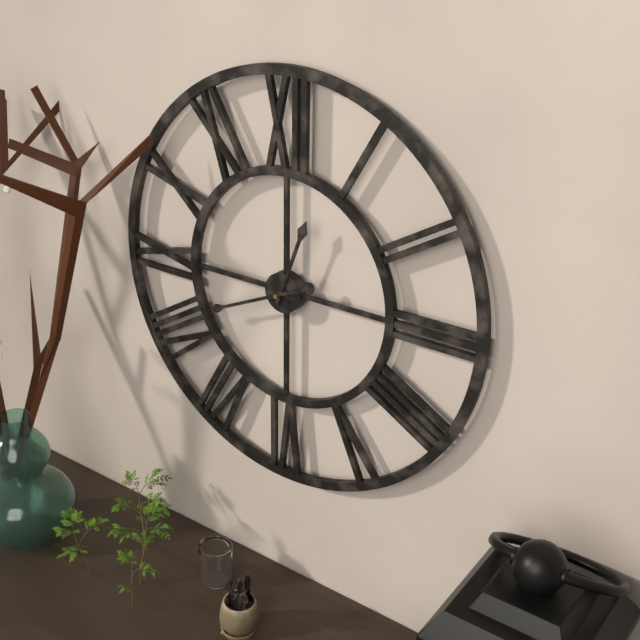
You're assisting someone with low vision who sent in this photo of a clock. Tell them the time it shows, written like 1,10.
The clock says 12,41
